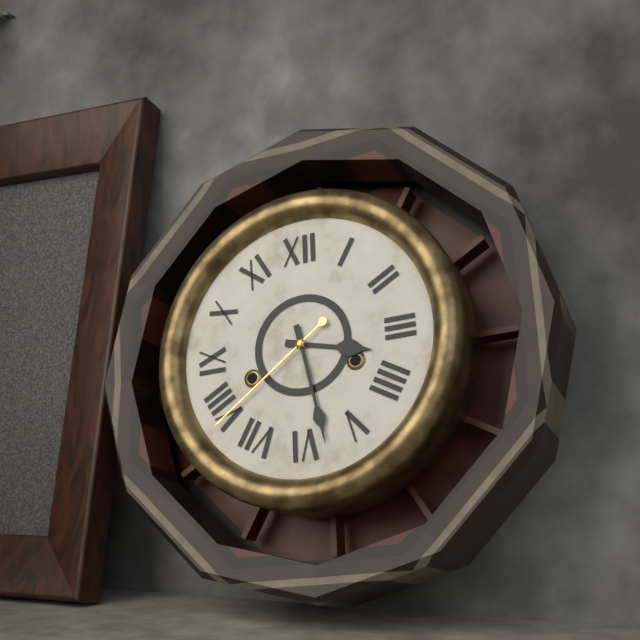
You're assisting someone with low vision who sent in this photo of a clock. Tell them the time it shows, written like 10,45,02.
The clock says 3,28,39
